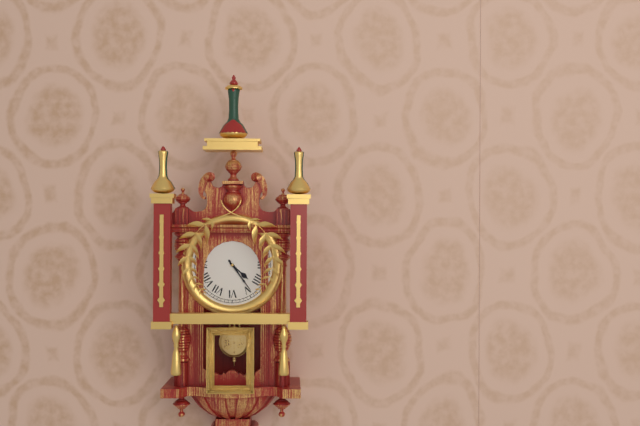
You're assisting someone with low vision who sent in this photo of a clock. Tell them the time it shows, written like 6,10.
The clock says 4,24
